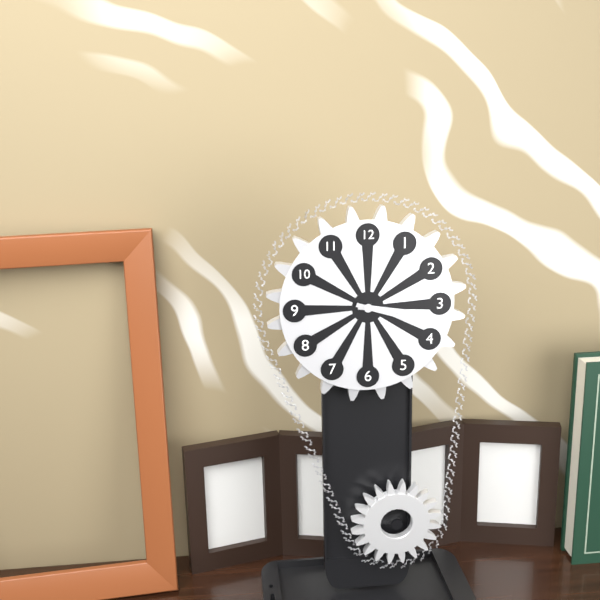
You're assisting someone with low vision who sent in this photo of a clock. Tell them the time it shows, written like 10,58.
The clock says 3,18
